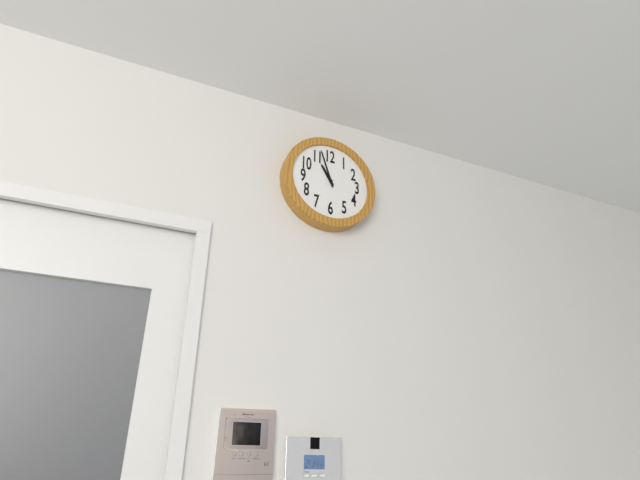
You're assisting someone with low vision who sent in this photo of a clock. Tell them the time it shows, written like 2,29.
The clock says 10,57
